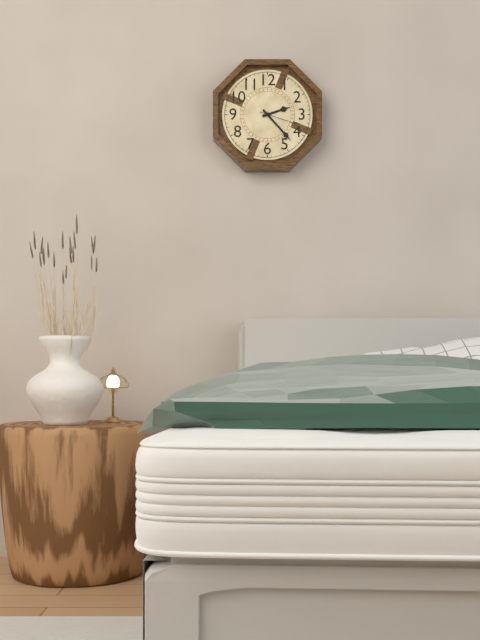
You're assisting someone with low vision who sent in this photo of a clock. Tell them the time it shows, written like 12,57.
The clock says 2,23
